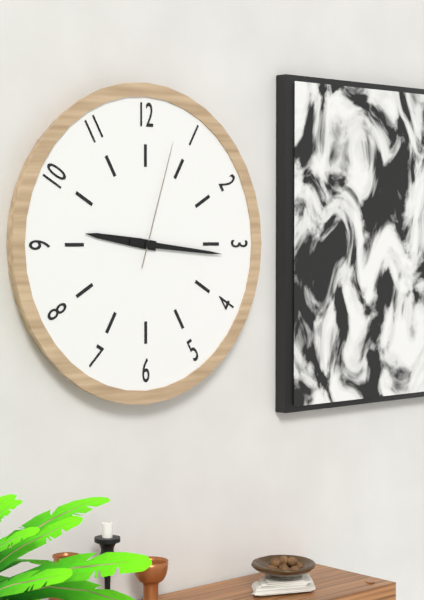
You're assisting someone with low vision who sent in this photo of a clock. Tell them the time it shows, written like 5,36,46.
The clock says 9,16,03
